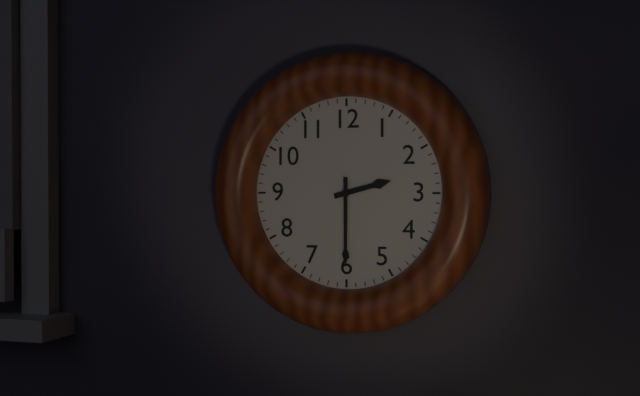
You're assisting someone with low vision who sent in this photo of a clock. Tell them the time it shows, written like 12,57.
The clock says 2,30
